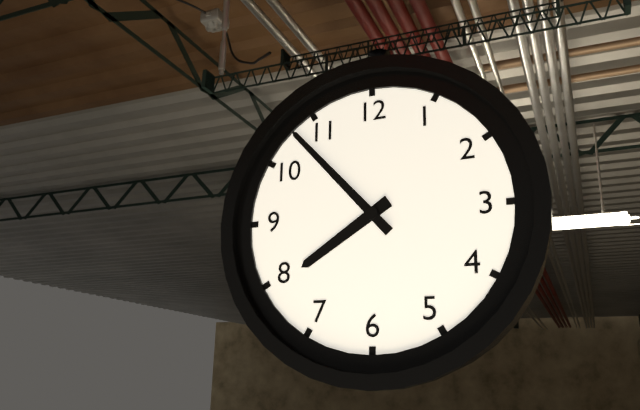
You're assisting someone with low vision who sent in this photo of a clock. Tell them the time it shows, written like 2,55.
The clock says 7,53
